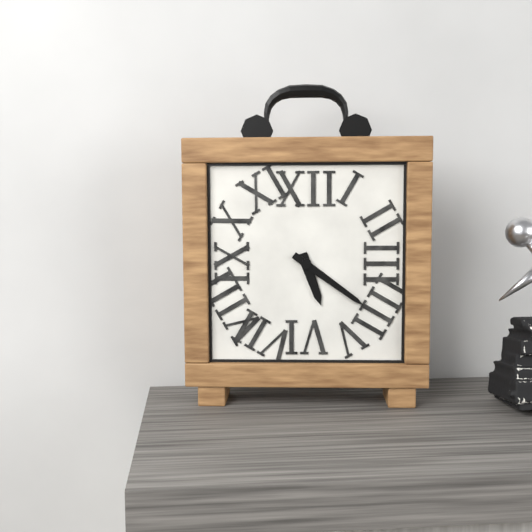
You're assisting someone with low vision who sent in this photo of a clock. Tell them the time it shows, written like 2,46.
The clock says 5,21
